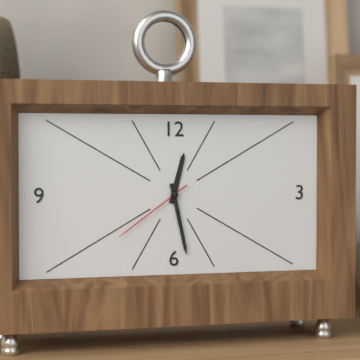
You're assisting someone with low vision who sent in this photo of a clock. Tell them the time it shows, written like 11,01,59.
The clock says 12,28,39
